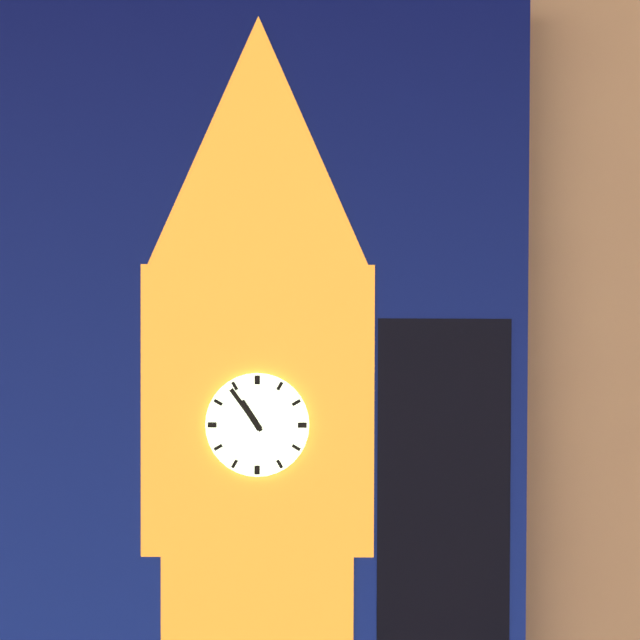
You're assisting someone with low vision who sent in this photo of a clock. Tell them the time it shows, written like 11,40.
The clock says 10,54
